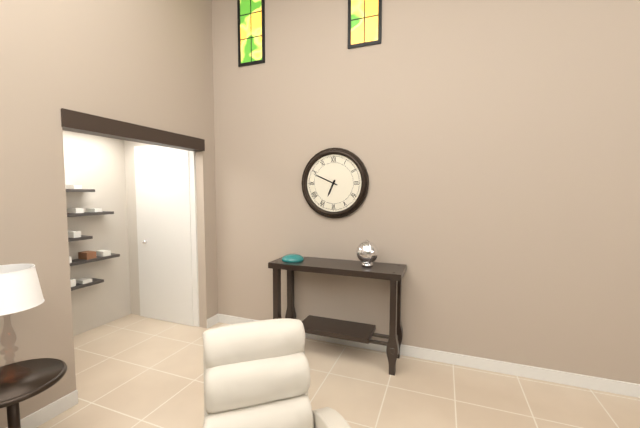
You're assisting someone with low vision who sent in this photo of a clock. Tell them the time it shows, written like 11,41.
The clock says 6,49
